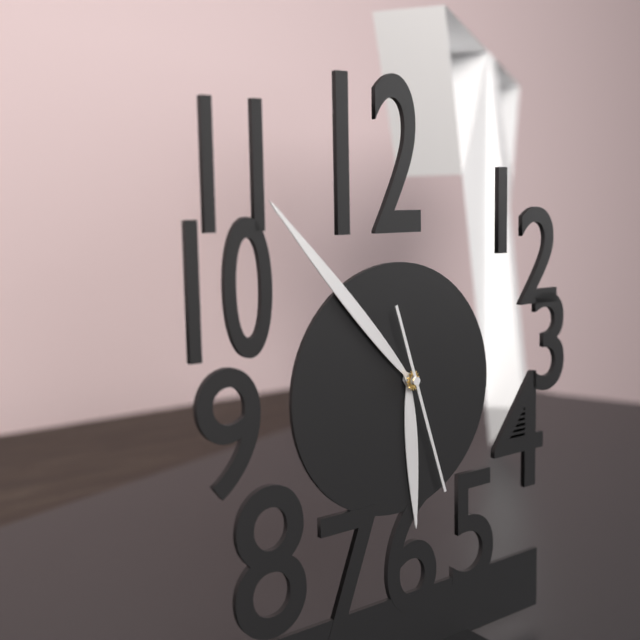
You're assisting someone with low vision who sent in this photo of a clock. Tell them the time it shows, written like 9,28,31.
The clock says 5,53,27
